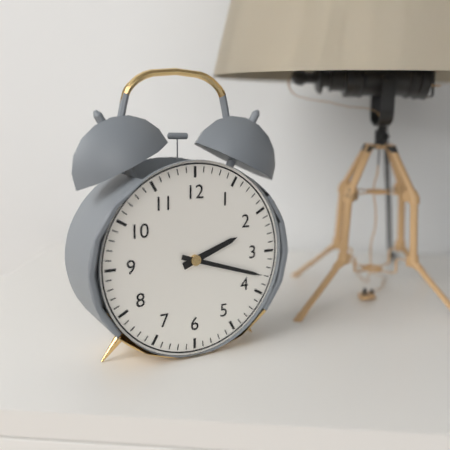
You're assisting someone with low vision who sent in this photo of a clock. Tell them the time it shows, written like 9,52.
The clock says 2,18
